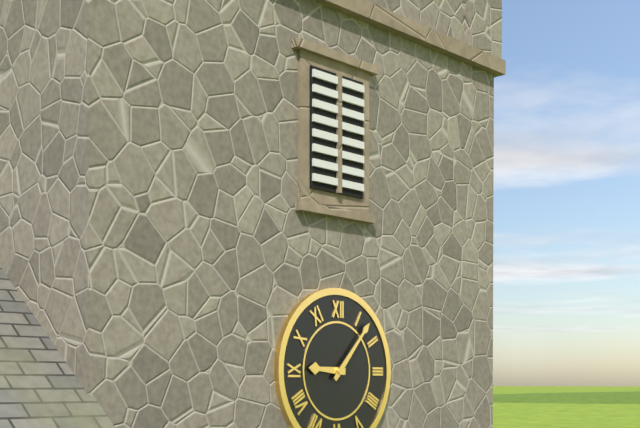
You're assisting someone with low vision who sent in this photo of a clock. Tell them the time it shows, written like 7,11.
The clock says 9,07
